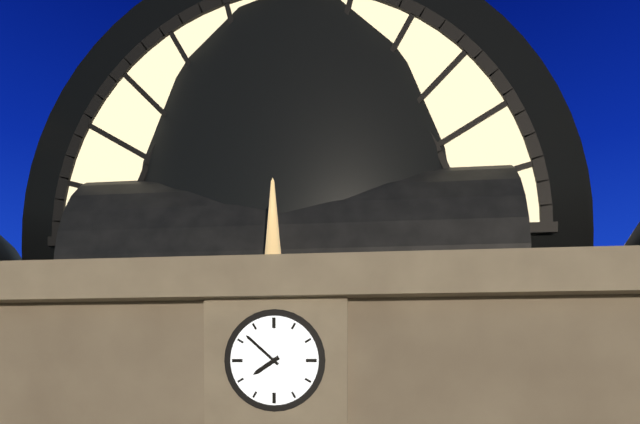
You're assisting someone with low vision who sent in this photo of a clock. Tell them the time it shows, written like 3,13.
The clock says 7,52
